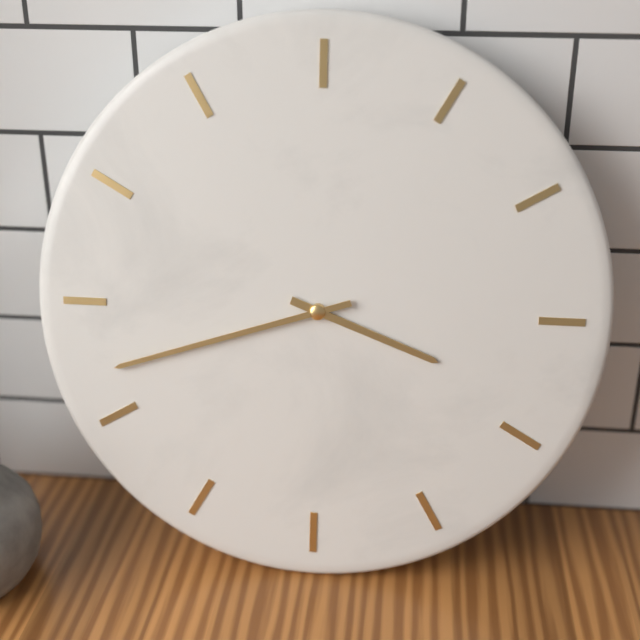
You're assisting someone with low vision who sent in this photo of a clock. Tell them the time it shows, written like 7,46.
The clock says 3,42
